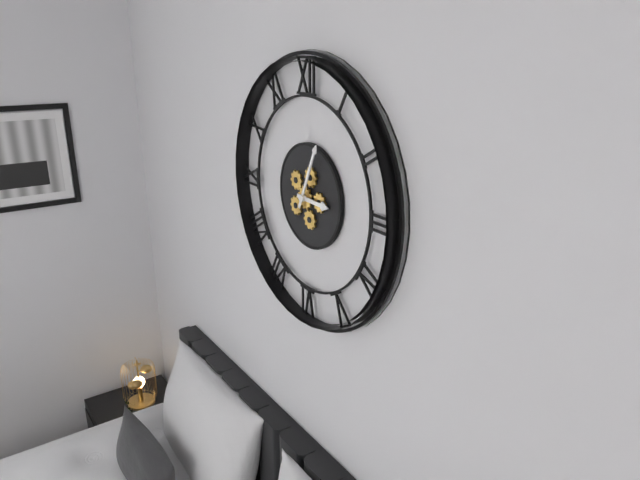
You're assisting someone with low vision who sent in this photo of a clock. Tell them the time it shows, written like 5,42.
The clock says 3,04
